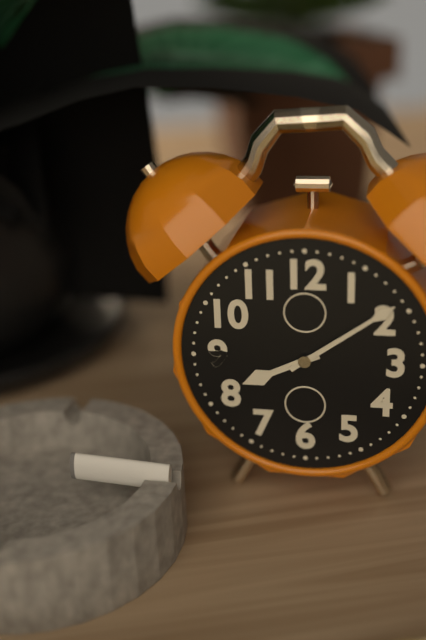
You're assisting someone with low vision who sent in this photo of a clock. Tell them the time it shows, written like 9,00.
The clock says 8,09
